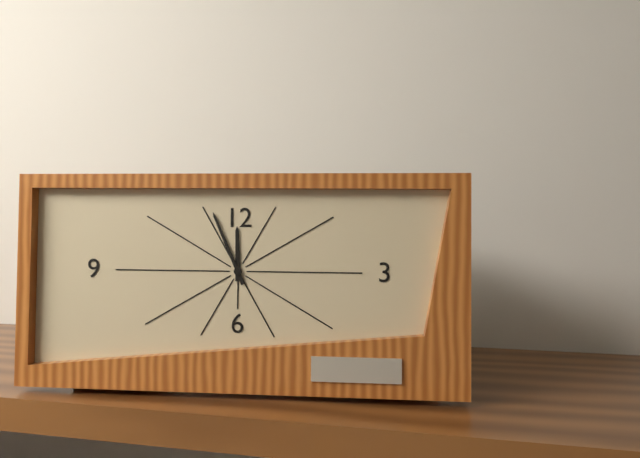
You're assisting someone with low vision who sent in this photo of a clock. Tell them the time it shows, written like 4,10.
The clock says 11,56
